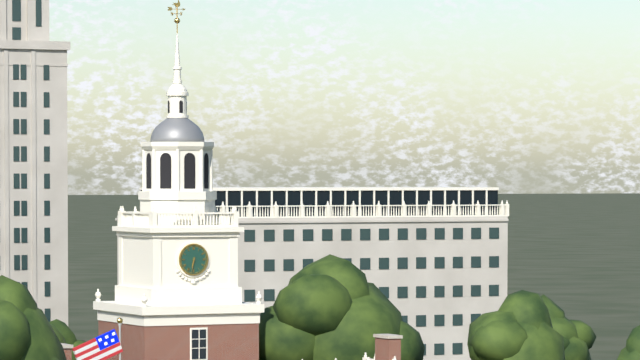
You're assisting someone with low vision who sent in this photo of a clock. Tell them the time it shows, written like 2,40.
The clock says 6,32
